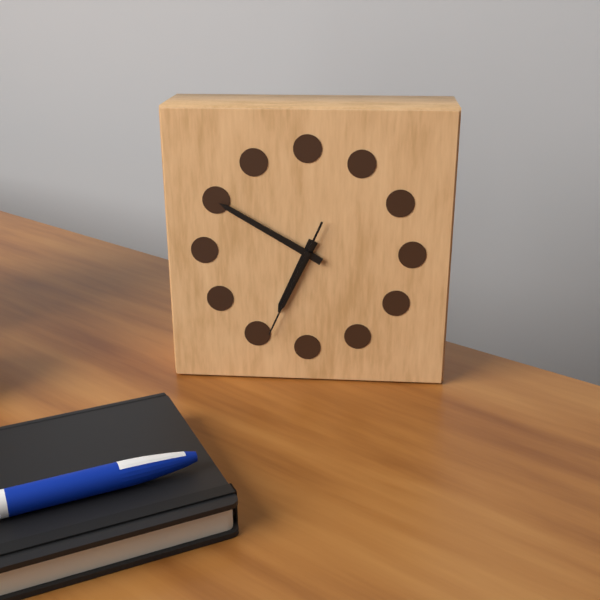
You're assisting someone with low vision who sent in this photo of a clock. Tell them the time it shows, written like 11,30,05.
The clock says 6,50,34
